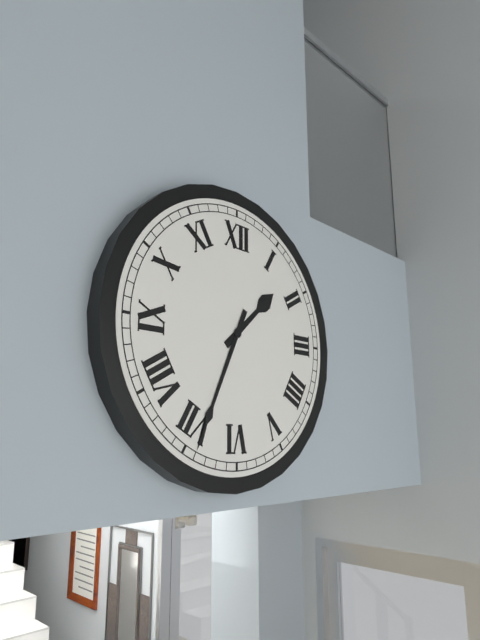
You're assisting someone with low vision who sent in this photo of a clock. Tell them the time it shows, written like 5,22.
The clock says 1,34
